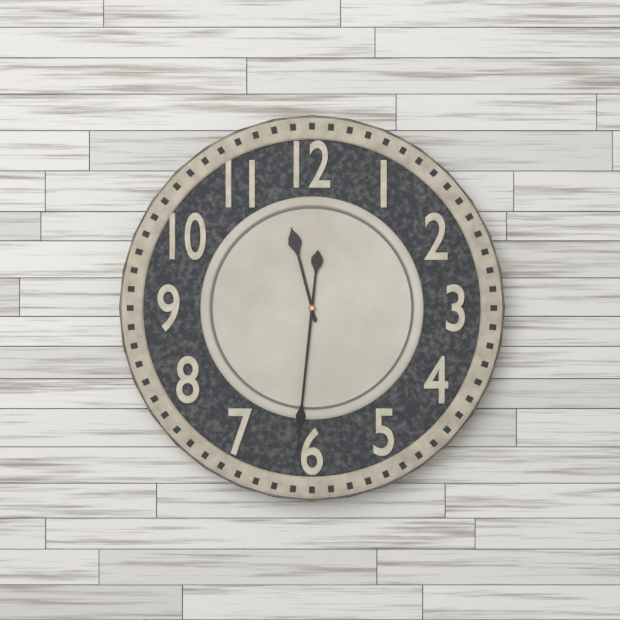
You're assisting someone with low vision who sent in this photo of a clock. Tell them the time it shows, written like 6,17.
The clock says 11,31
